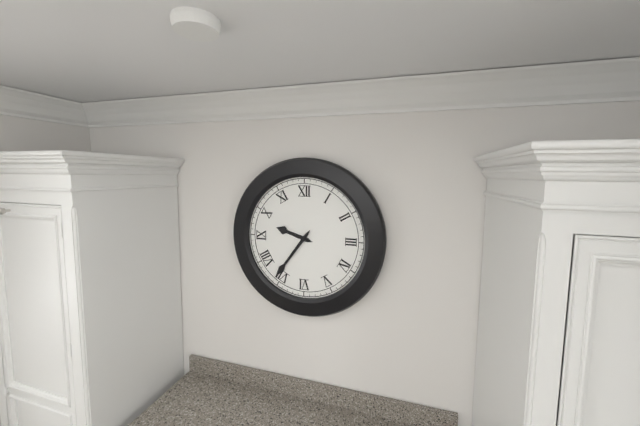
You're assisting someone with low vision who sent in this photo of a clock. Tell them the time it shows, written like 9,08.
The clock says 9,36
